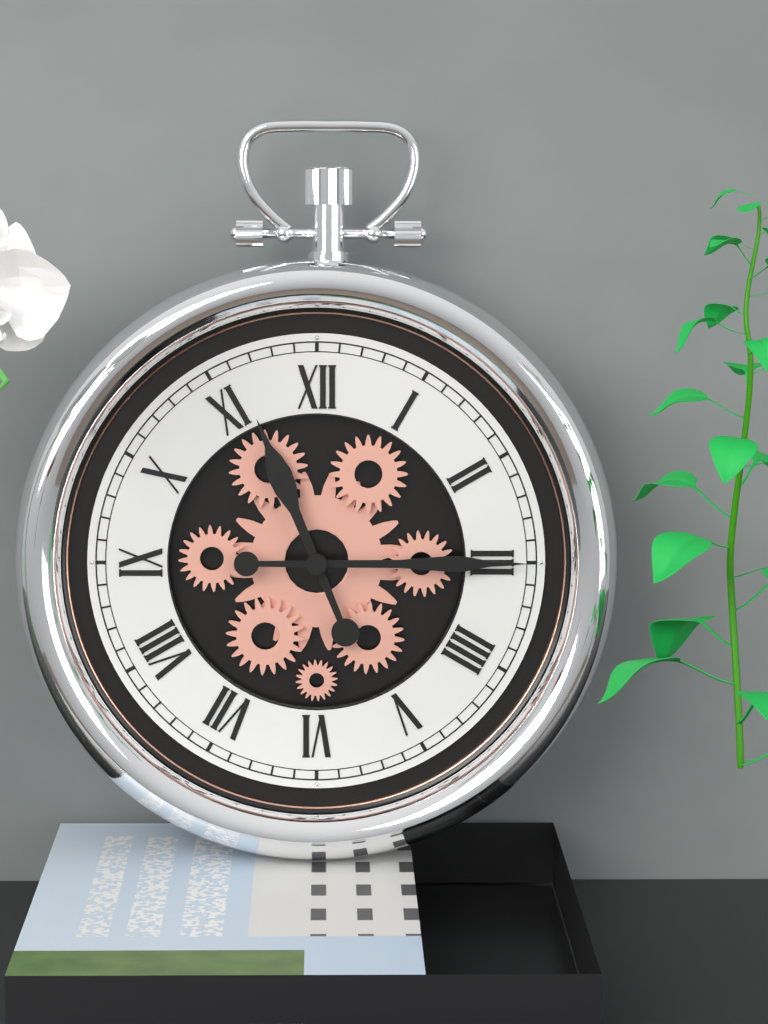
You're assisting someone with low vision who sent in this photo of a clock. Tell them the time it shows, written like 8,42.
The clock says 11,15
